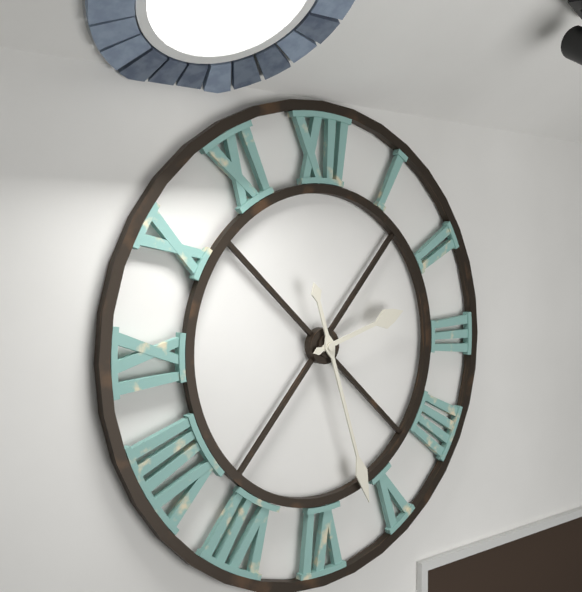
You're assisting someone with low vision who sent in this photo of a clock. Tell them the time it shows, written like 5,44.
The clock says 2,27
